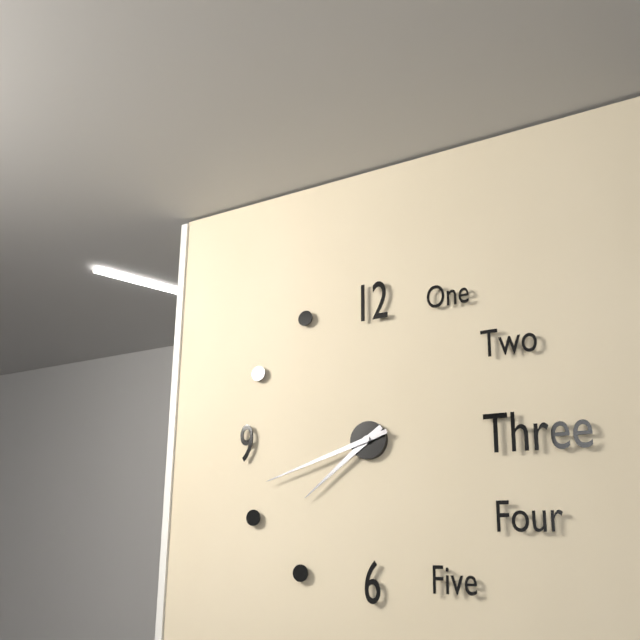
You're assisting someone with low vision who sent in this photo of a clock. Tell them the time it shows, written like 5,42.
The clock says 7,42
